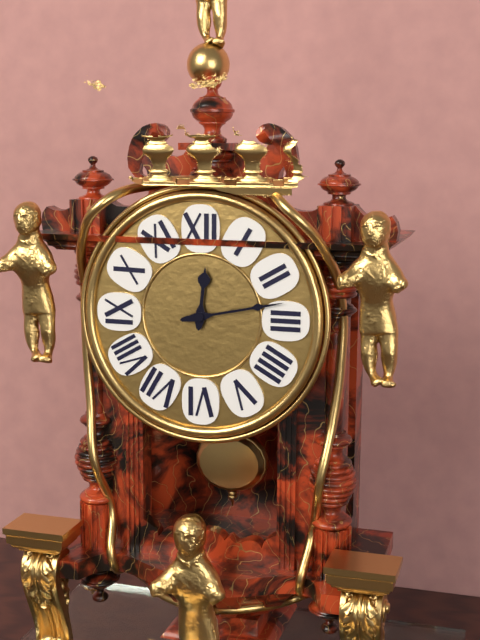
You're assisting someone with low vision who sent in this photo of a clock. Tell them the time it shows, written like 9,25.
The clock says 12,13
